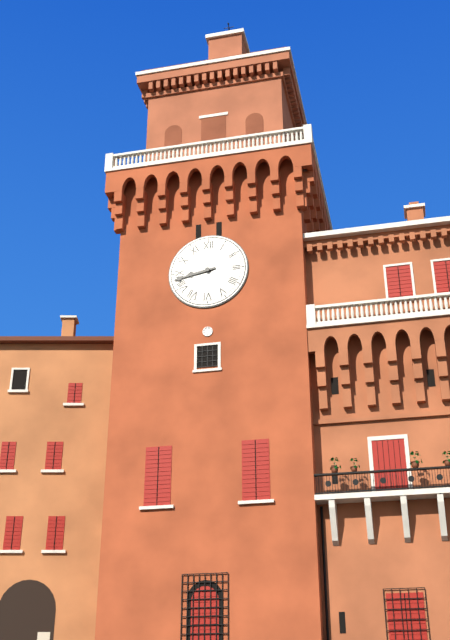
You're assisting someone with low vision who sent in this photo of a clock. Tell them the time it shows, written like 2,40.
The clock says 8,43
